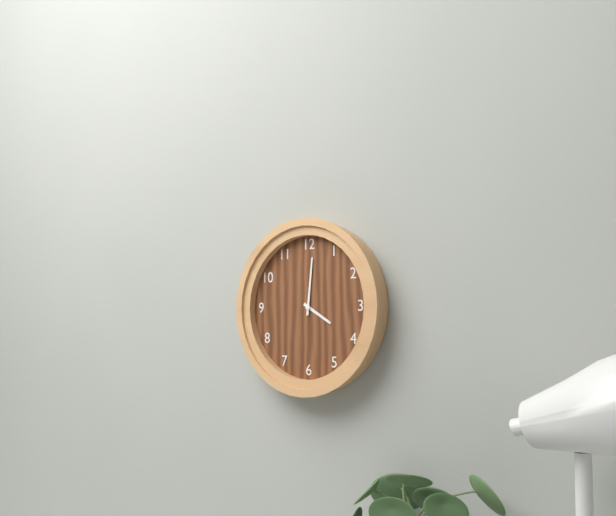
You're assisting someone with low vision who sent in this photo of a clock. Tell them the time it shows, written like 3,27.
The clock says 4,01
